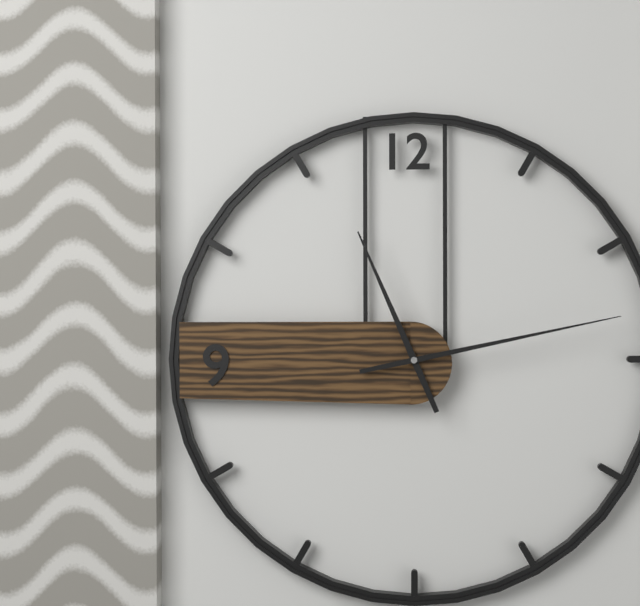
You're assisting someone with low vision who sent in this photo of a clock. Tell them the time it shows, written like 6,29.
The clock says 11,13
